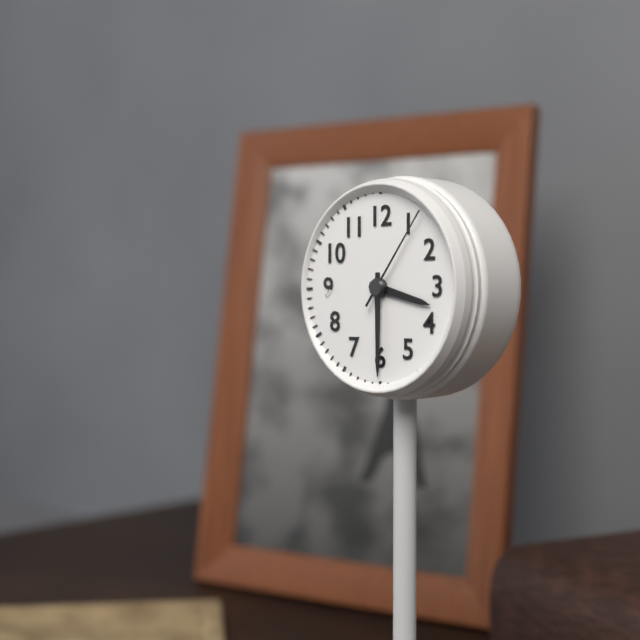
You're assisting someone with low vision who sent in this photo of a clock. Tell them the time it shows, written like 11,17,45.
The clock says 3,30,06
